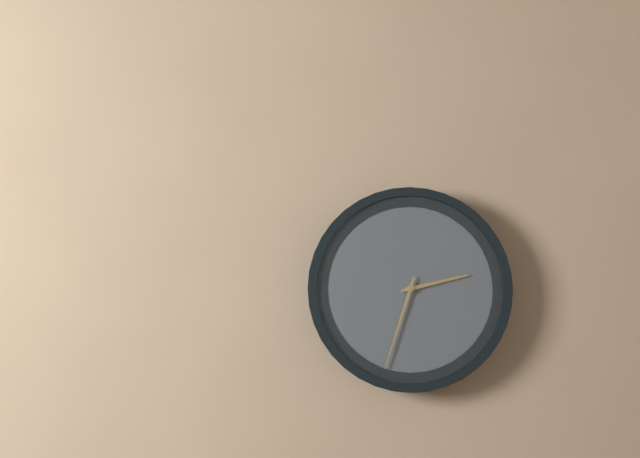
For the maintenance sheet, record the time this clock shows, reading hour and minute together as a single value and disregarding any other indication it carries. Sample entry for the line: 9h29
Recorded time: 2h33
